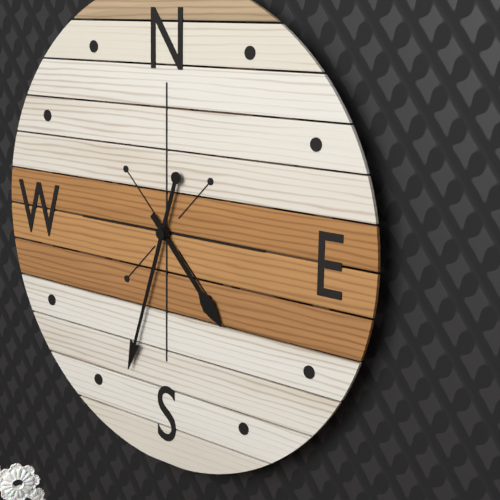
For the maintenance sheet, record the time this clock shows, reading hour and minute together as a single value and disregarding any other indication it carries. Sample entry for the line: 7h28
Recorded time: 4h33
